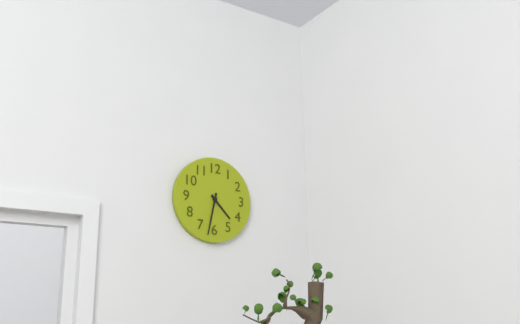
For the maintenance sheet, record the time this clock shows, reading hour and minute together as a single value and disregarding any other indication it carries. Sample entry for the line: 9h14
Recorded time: 4h32
